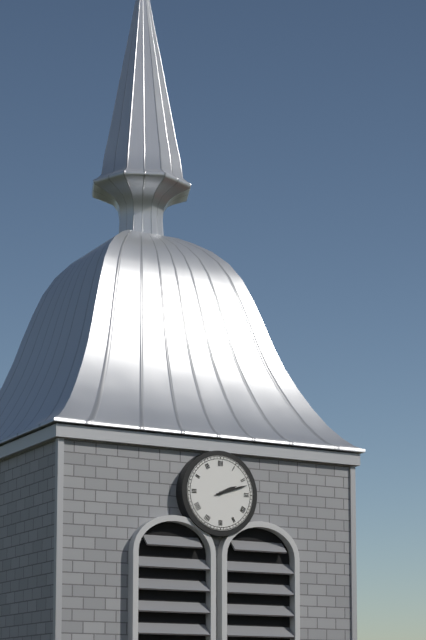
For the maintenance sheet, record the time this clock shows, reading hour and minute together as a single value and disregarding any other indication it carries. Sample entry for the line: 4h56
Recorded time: 2h12
